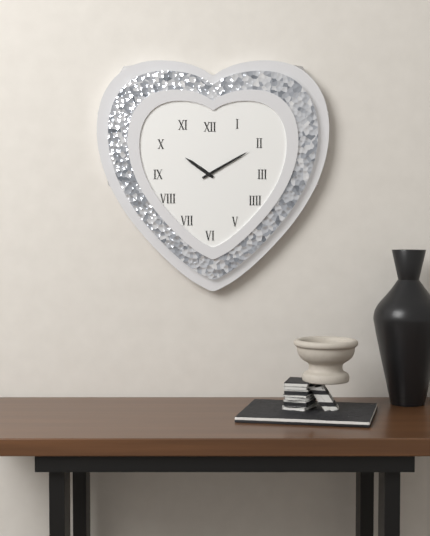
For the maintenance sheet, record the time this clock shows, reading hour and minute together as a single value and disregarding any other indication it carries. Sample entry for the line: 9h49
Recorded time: 10h10
